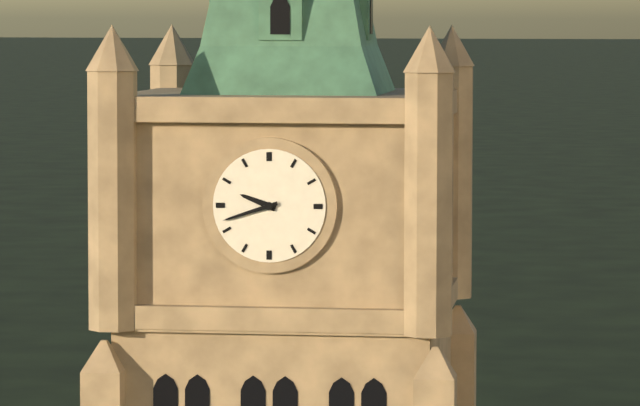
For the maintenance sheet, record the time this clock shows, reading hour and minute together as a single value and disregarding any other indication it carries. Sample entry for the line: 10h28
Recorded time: 9h42
